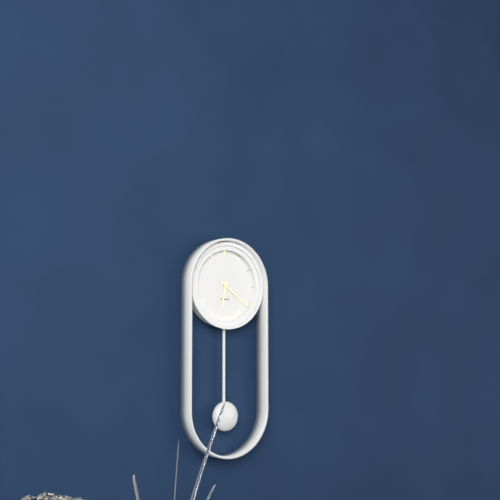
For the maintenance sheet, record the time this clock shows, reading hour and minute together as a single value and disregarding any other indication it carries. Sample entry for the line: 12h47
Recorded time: 6h21
